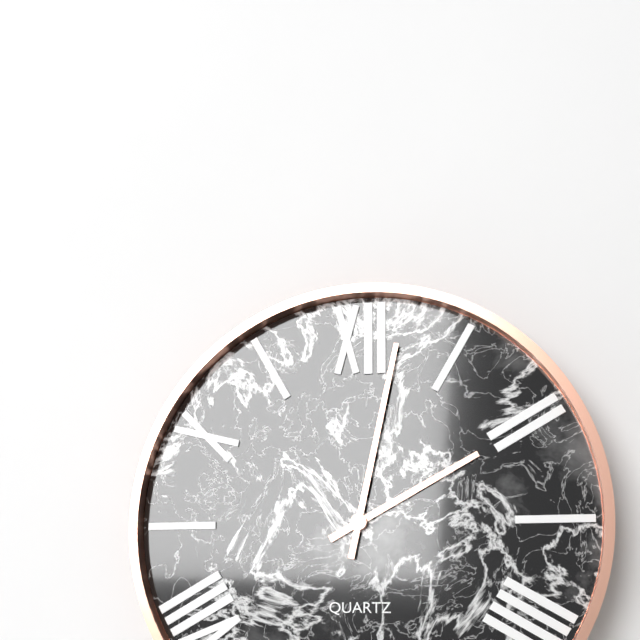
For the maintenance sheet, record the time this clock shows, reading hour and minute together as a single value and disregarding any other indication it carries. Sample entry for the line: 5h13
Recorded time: 2h02
